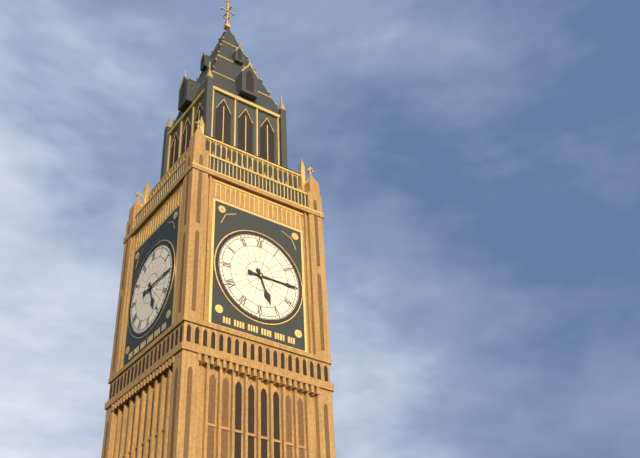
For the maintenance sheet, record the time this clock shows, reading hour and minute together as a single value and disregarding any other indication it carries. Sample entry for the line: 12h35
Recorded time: 5h15
